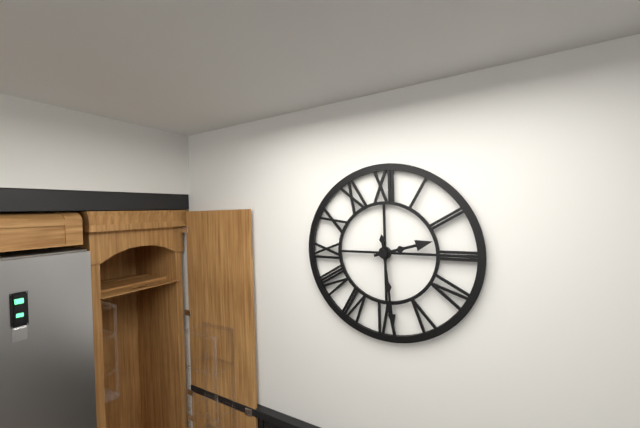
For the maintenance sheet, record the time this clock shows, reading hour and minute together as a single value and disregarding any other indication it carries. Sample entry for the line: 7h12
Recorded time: 2h29
